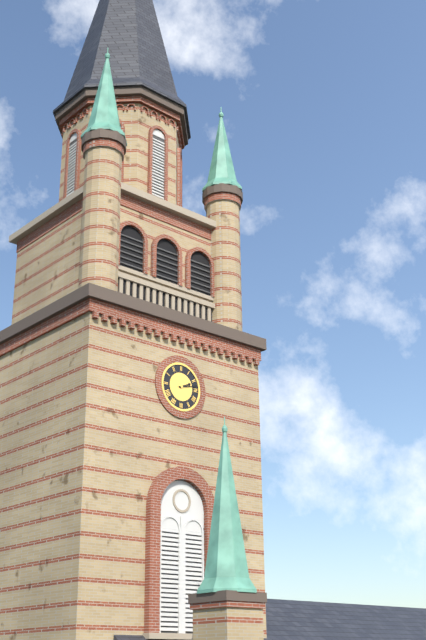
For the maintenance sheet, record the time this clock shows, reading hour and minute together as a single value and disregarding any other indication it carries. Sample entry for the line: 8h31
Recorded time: 2h13
